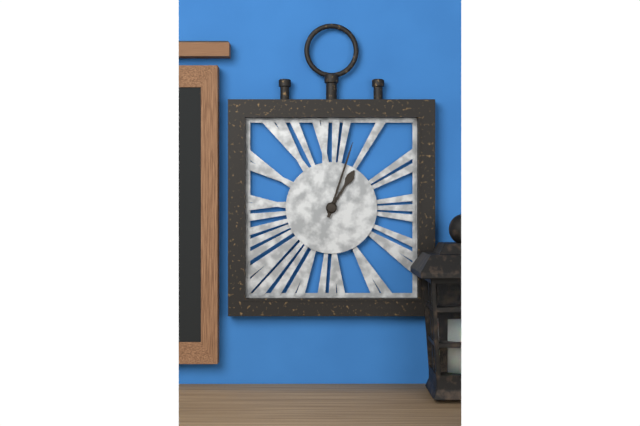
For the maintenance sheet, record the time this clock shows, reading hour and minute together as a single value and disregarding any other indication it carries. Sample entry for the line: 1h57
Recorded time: 1h03
